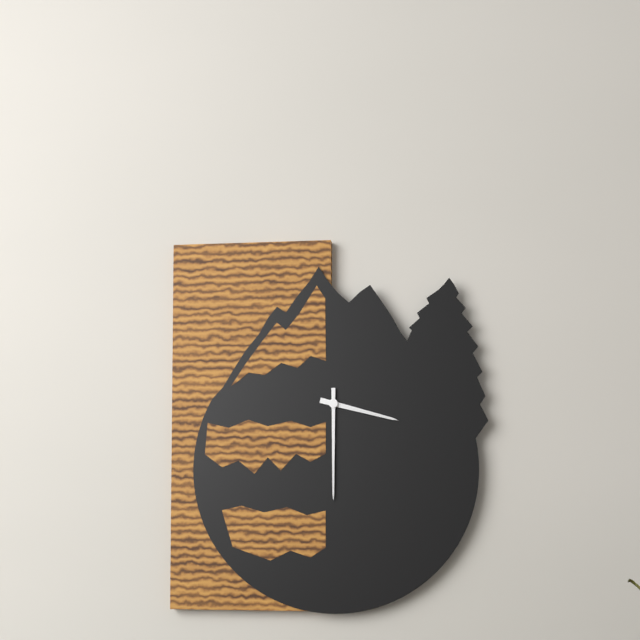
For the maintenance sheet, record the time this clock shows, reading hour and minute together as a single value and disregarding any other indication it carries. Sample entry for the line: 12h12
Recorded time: 3h30
